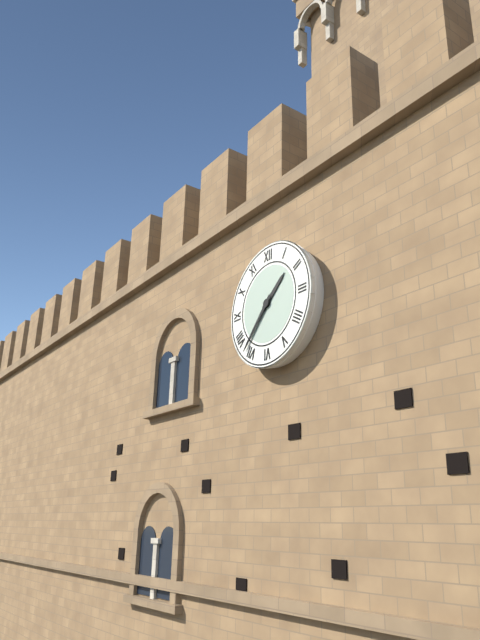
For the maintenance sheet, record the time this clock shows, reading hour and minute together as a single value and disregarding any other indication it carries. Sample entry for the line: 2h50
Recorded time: 1h37
